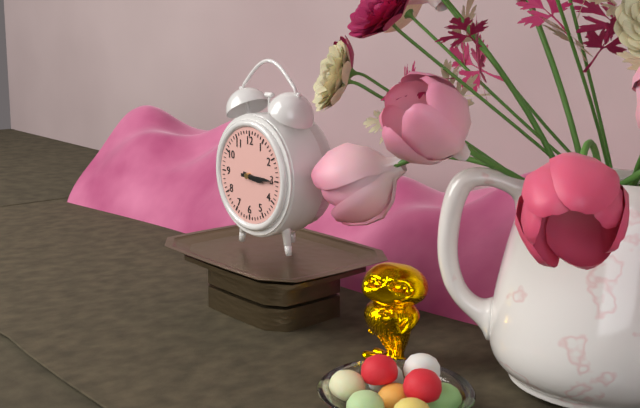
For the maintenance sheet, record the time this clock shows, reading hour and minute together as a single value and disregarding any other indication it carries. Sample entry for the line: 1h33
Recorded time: 3h15
